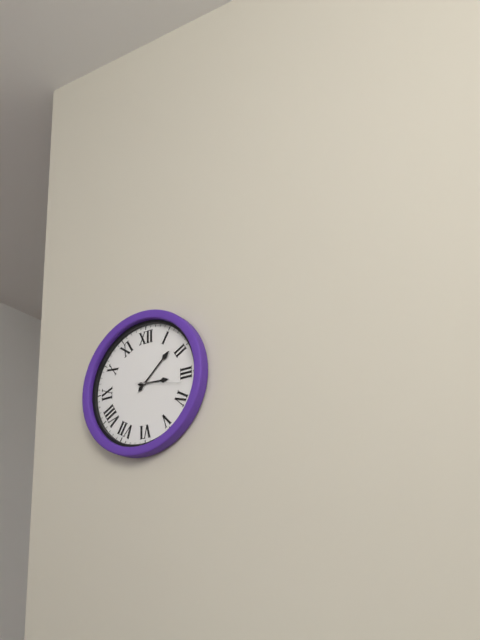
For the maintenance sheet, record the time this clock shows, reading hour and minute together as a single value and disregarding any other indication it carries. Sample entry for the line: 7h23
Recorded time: 3h08
